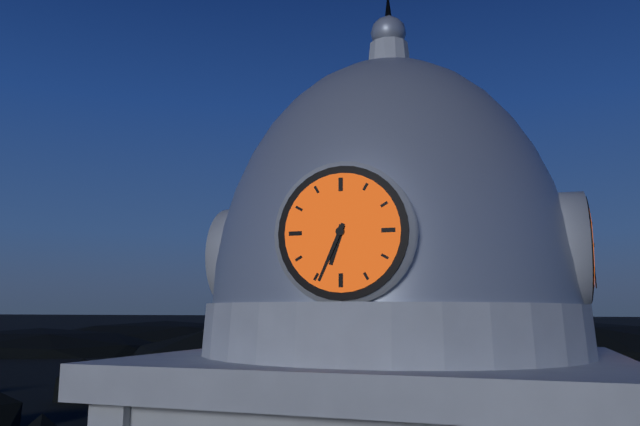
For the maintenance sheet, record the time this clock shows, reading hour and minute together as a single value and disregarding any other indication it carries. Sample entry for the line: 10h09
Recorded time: 6h34
